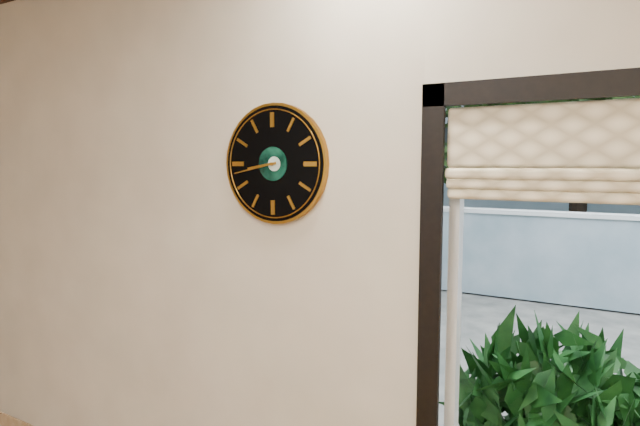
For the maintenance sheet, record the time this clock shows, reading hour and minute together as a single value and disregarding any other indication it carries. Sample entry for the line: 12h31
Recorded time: 8h43
